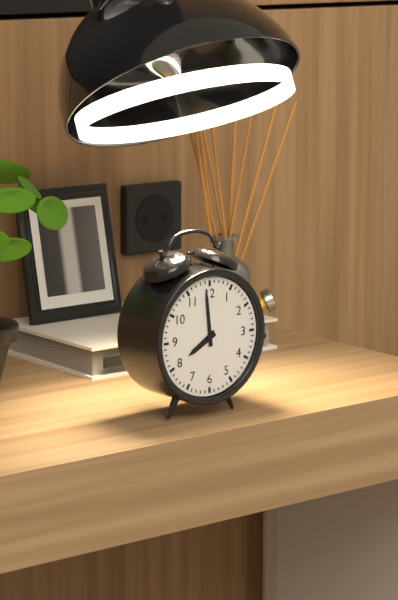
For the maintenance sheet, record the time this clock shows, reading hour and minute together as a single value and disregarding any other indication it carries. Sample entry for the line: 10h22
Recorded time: 7h59
